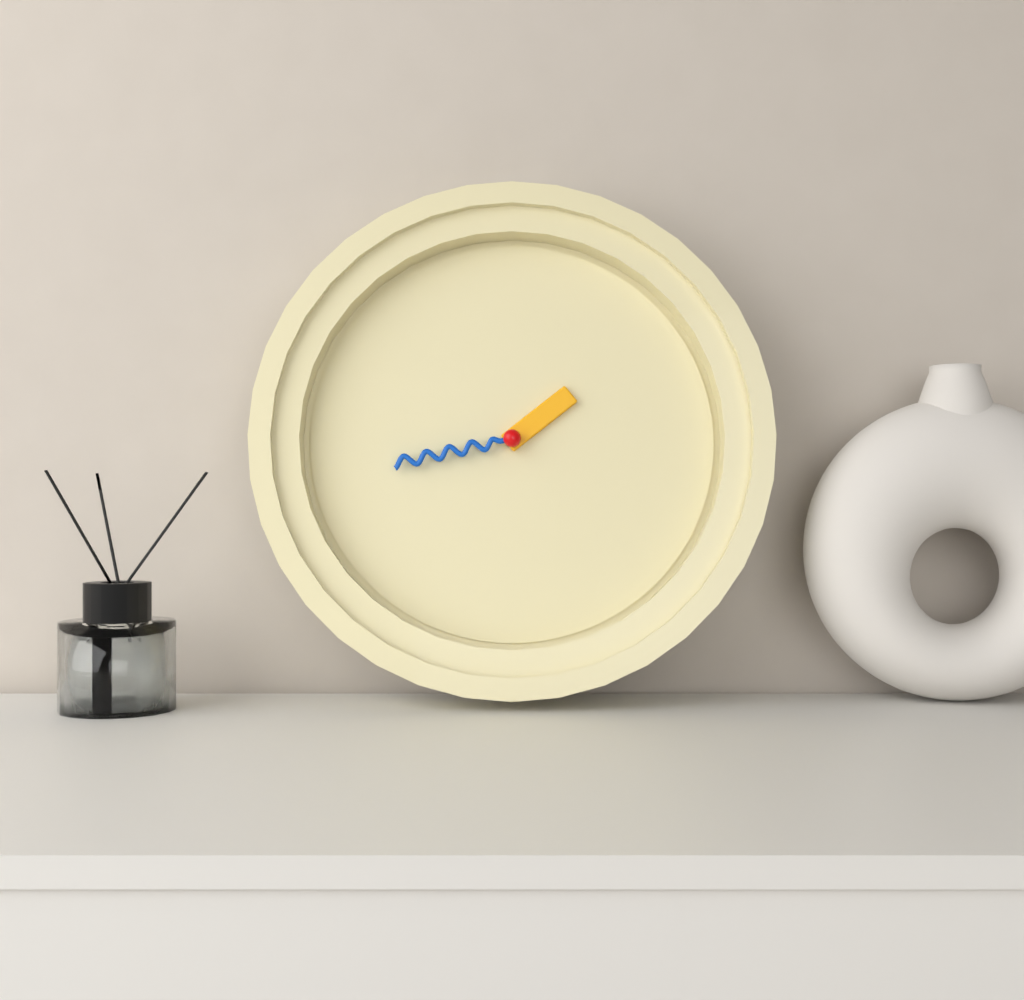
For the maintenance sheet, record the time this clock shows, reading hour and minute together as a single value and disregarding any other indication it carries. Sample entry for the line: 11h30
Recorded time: 1h43
